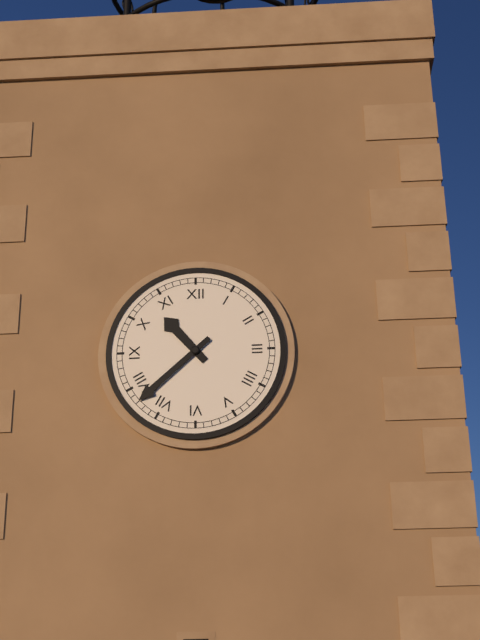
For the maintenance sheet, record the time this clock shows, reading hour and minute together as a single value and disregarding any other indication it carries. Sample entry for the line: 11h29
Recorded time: 10h38
